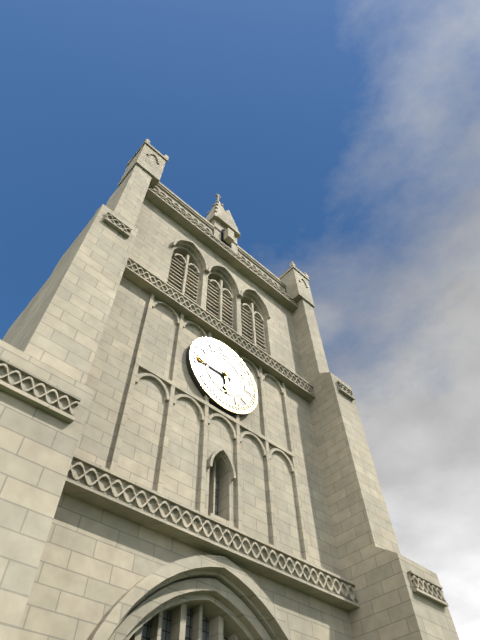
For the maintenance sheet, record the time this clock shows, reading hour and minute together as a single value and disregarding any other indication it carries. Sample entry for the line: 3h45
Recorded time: 5h45
